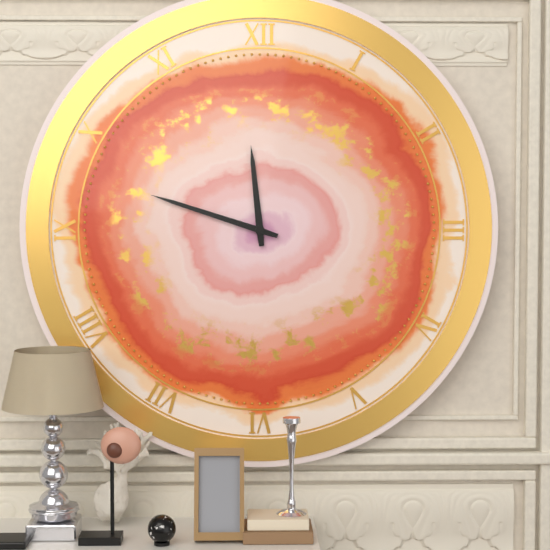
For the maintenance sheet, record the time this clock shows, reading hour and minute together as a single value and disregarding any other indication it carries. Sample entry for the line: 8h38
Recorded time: 11h48
